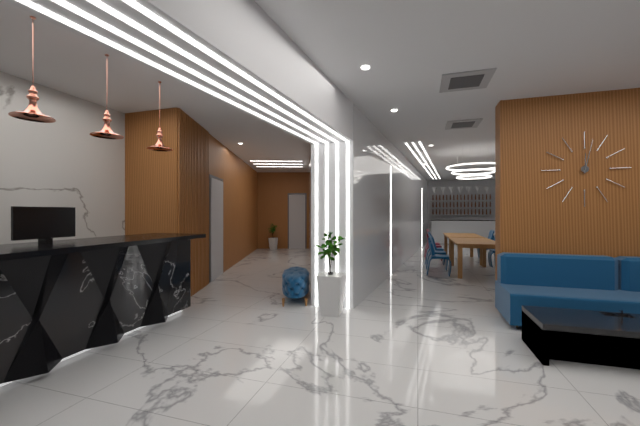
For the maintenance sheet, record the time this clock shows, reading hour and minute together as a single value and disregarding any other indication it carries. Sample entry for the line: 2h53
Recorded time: 12h02
